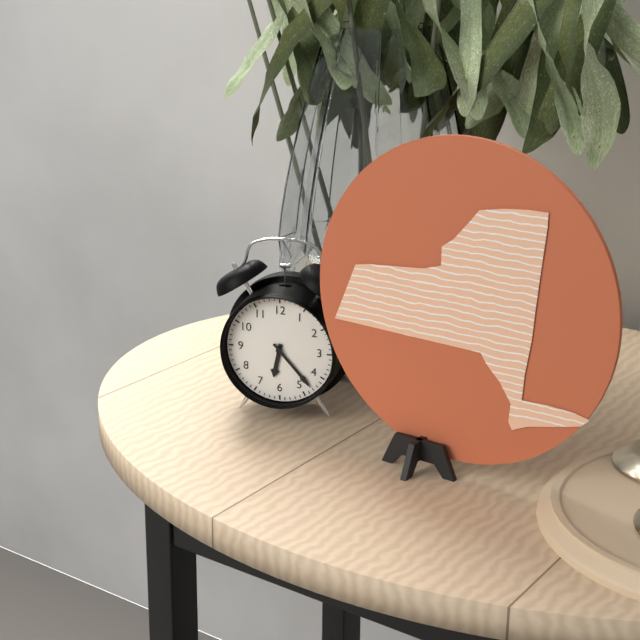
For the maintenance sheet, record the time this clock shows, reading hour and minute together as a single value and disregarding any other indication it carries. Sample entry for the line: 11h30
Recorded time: 6h23
